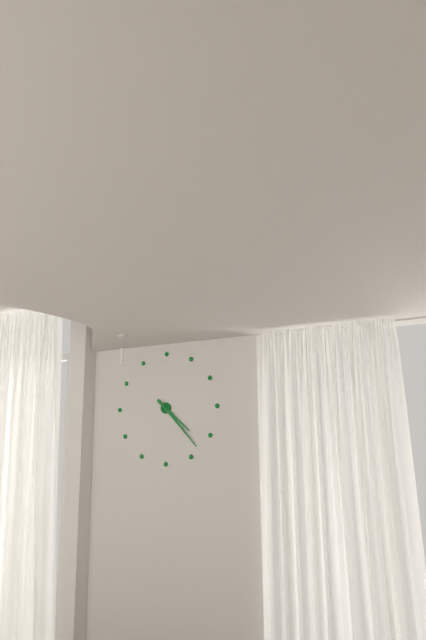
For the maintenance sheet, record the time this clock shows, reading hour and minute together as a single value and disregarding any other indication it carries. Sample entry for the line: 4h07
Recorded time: 4h23
